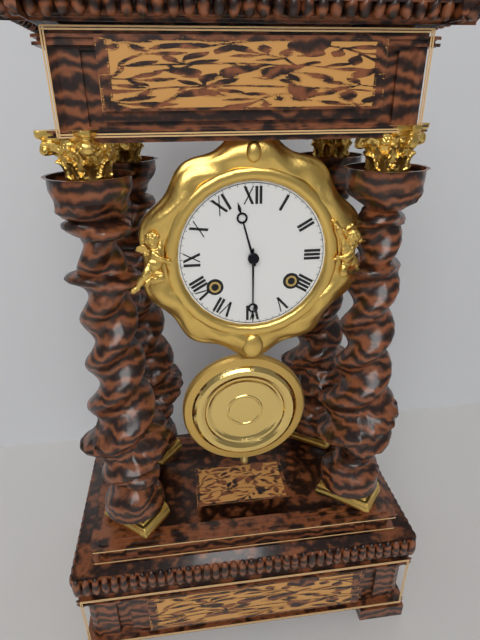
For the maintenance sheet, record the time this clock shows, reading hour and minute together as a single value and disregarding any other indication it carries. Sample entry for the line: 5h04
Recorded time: 11h30
